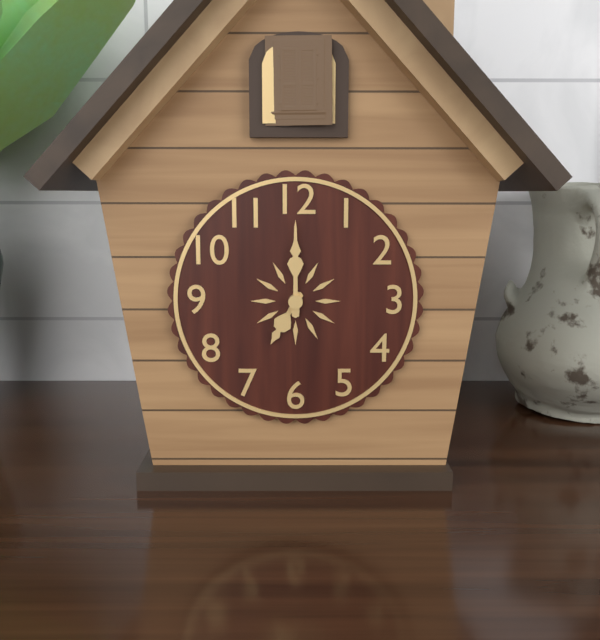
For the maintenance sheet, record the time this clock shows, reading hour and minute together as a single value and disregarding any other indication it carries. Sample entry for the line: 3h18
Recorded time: 7h00
